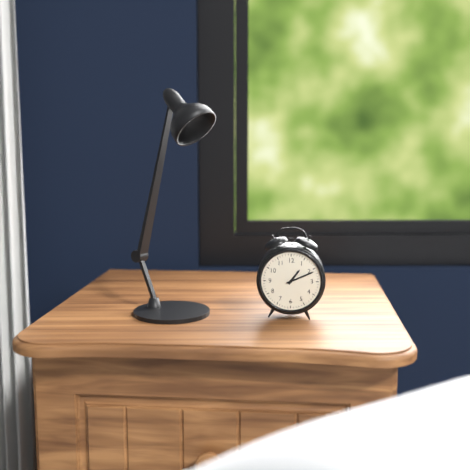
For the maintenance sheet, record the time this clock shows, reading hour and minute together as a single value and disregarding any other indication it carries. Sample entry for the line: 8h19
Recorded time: 1h11
